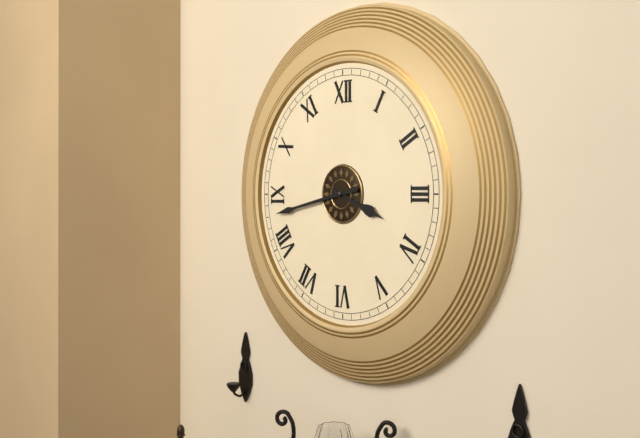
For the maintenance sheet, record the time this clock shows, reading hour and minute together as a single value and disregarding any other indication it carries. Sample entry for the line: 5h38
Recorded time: 3h43
